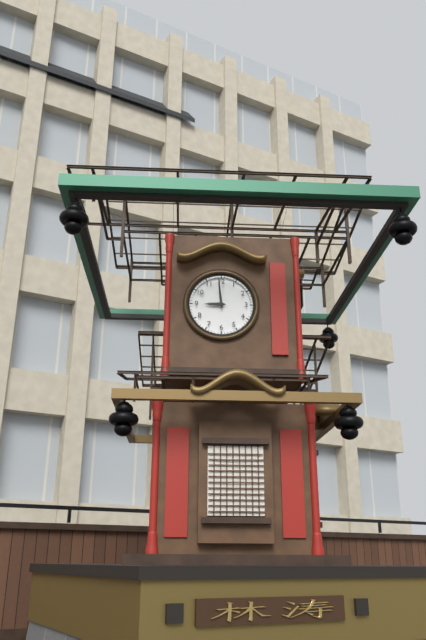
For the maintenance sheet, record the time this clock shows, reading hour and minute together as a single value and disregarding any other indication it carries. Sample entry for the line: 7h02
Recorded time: 8h59
